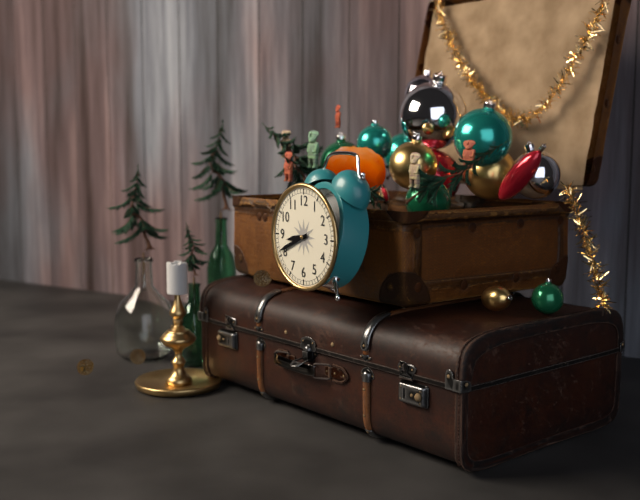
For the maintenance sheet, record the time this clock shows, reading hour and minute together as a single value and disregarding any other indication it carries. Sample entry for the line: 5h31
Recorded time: 8h41
